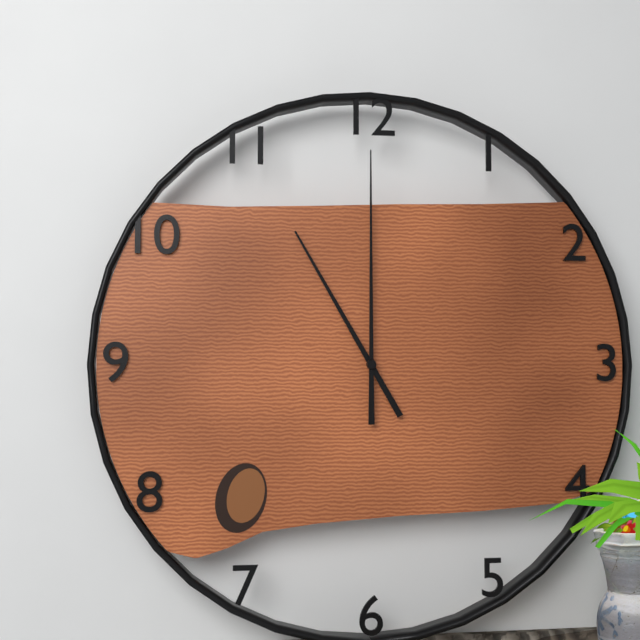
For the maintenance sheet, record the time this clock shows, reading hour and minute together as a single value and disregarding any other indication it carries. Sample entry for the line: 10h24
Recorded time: 11h00
